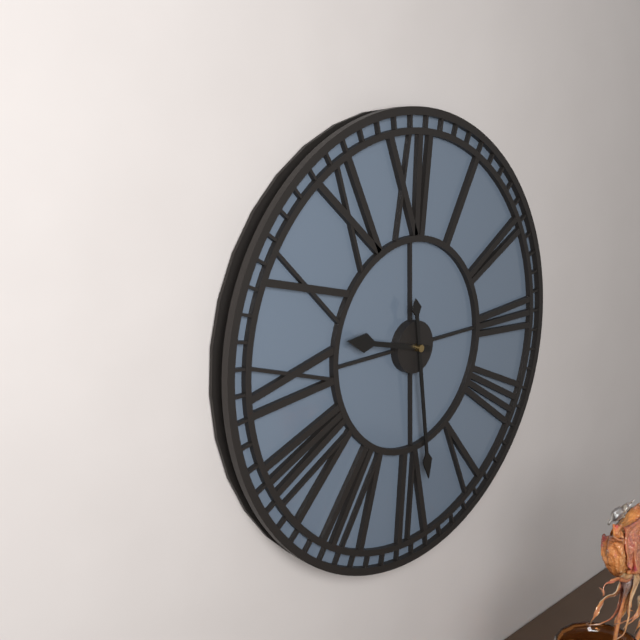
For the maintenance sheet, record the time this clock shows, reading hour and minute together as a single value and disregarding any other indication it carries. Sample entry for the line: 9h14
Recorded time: 9h29
